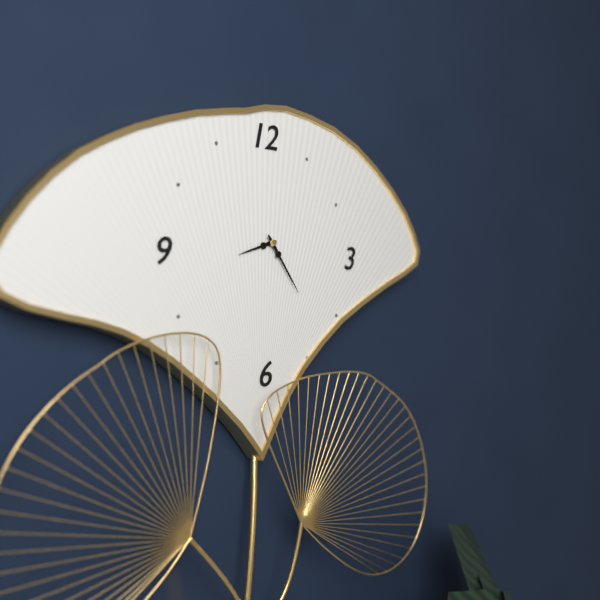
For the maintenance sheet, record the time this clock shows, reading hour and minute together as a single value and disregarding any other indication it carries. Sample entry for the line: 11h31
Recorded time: 8h24
